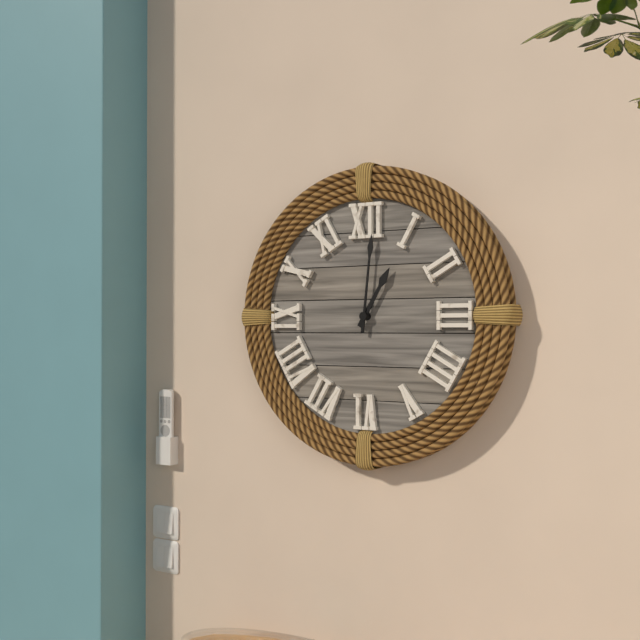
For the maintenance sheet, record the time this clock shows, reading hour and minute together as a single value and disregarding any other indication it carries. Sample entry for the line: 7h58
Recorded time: 1h01
